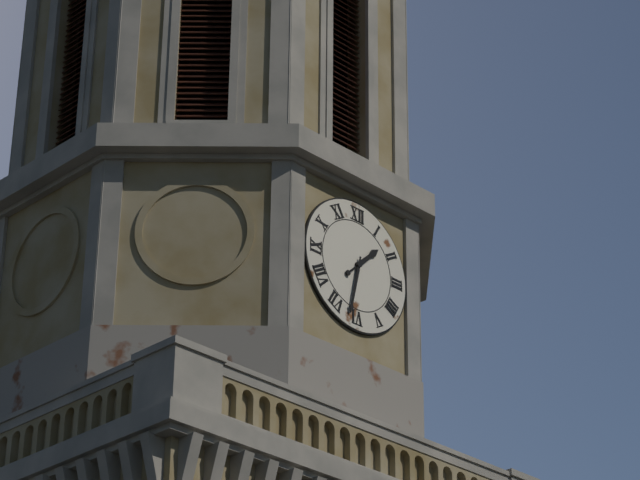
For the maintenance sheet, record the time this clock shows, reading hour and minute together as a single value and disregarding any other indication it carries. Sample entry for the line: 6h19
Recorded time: 1h32
